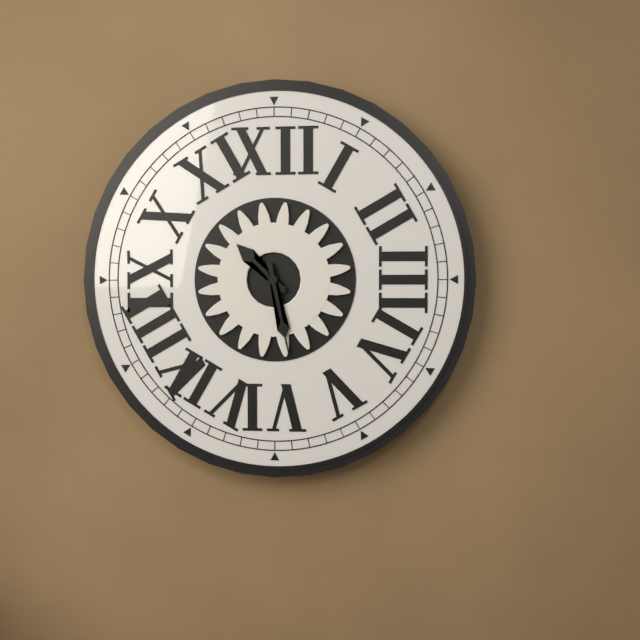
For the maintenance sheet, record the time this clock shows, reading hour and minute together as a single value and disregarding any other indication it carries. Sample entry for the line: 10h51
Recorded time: 10h28
